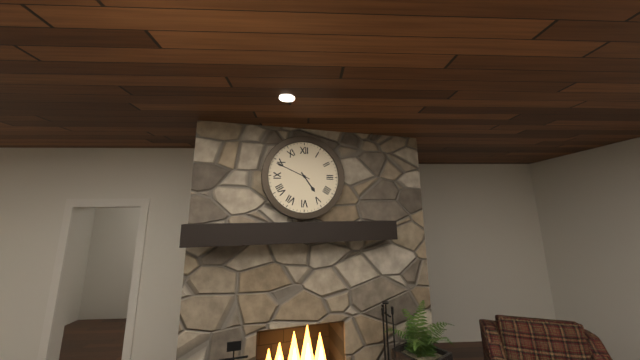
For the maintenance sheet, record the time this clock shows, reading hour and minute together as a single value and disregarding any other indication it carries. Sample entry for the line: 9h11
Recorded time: 4h49
